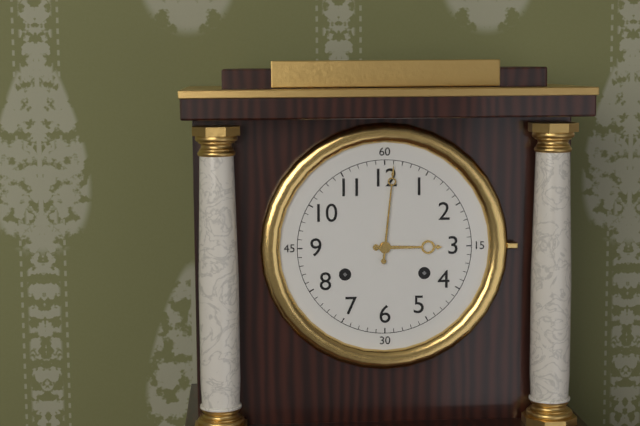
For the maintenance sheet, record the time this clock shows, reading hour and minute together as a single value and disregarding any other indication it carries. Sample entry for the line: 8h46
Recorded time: 3h01
